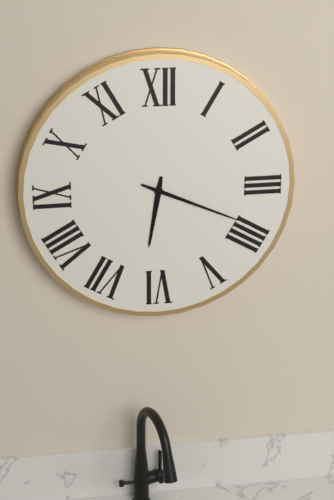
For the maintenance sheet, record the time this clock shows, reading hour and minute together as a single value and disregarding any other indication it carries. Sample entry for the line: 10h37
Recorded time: 6h19
